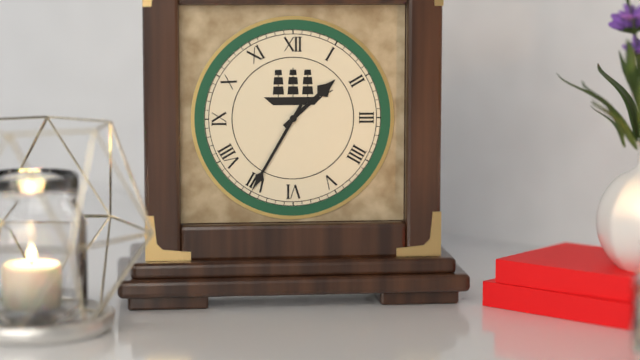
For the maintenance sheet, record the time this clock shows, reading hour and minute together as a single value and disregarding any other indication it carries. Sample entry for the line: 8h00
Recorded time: 1h35
